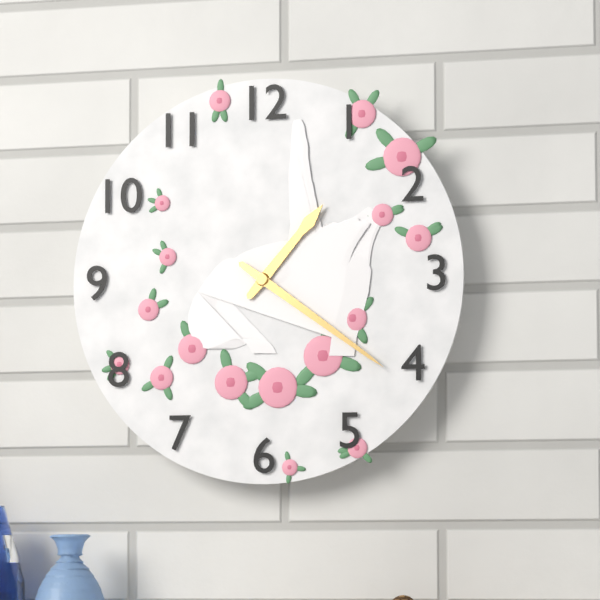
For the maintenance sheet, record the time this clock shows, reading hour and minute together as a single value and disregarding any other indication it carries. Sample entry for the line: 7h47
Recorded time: 1h21
